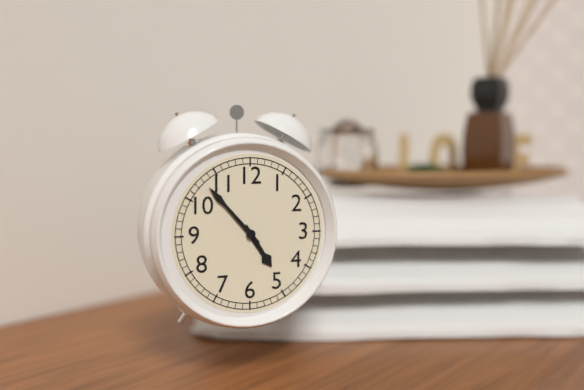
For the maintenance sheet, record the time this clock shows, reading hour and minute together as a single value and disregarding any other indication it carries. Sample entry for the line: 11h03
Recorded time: 4h53
